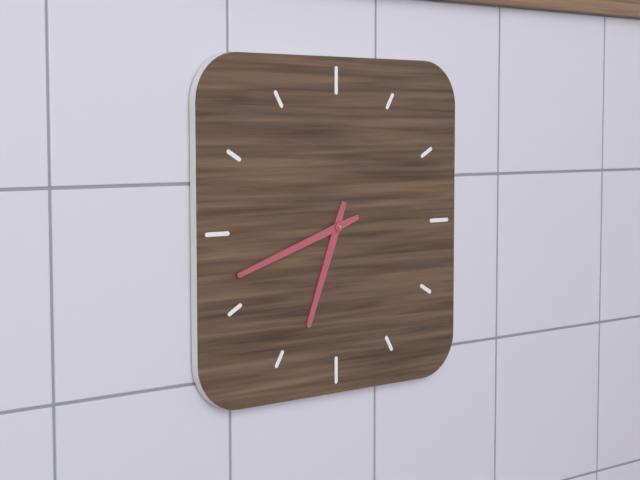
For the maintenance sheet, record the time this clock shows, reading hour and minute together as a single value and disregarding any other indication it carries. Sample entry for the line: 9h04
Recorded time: 6h42
